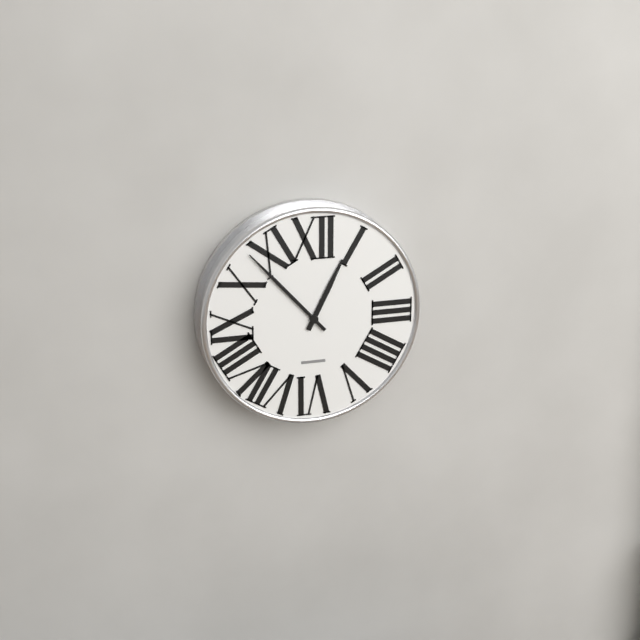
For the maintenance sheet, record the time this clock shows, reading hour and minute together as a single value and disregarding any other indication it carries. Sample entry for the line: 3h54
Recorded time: 12h53
